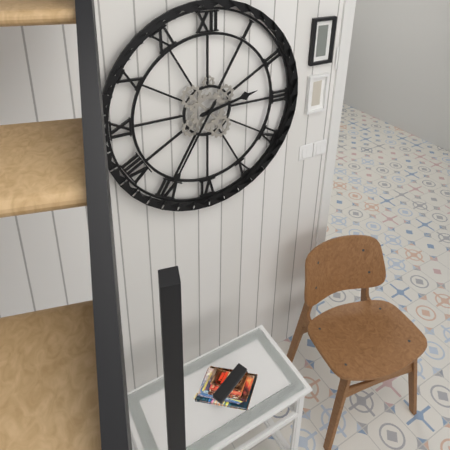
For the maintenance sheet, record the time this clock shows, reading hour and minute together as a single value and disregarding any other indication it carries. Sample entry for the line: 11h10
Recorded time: 2h35
